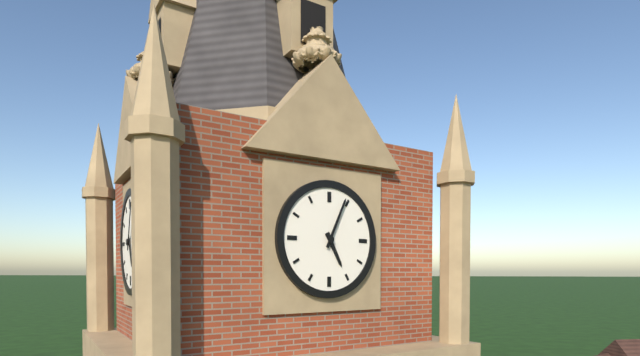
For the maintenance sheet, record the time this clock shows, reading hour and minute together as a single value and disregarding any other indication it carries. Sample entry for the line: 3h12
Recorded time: 5h04
